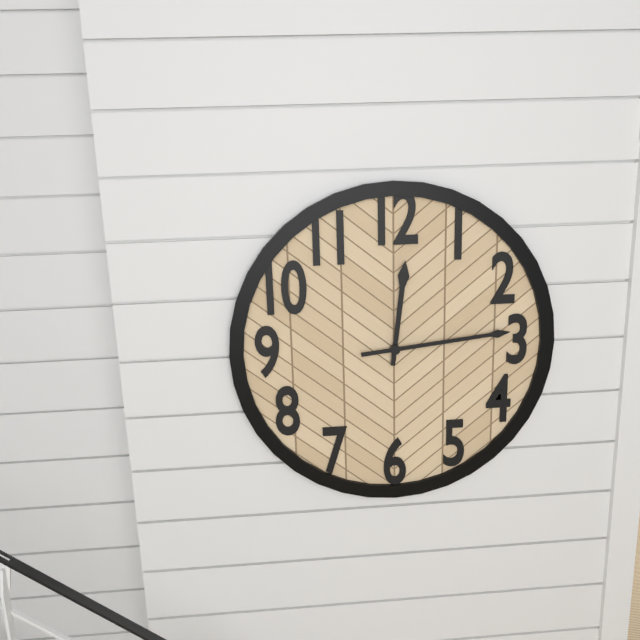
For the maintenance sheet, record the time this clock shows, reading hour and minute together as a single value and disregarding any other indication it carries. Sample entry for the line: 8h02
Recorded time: 12h14
